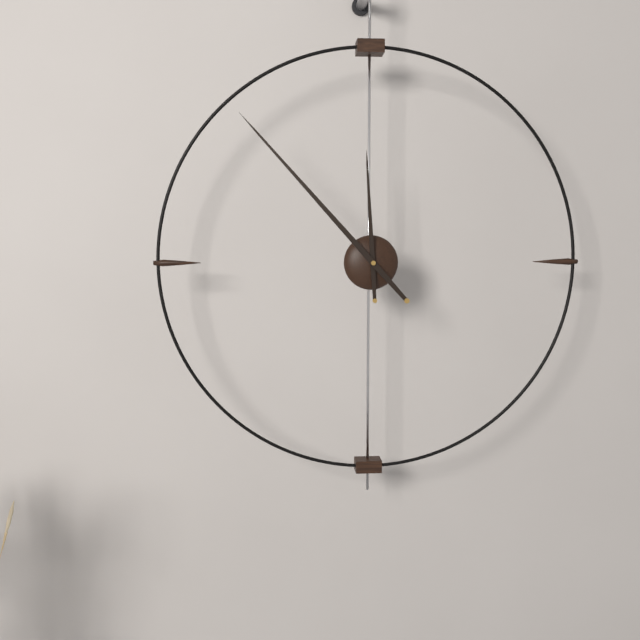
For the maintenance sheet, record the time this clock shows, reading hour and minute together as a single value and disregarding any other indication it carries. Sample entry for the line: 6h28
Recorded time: 11h53
